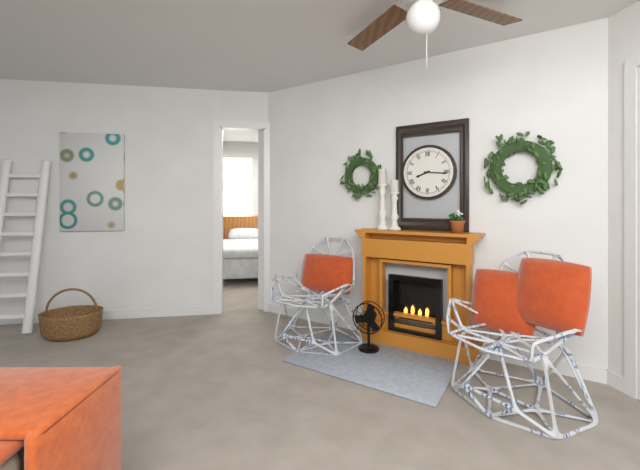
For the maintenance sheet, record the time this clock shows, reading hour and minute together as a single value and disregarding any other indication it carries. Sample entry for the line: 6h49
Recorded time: 8h16
